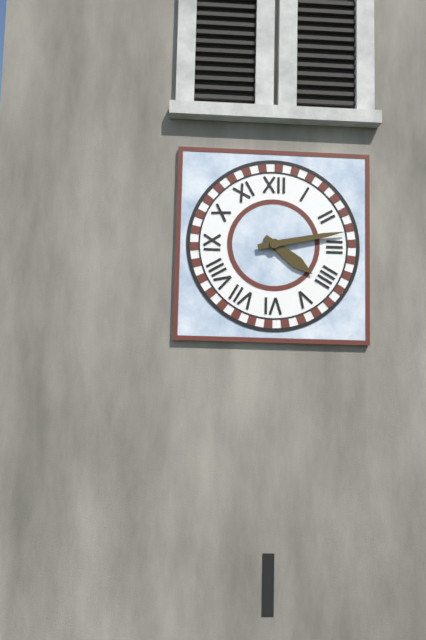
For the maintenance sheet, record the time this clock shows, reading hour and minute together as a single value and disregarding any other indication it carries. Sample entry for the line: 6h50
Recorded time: 4h13
